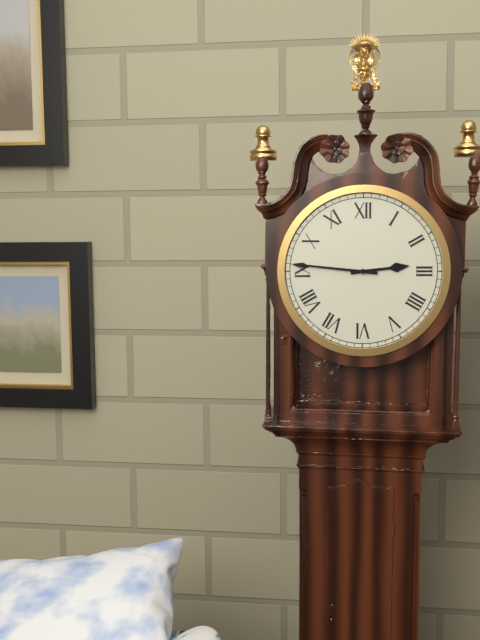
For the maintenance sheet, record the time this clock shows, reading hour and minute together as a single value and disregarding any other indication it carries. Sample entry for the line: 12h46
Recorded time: 2h46
